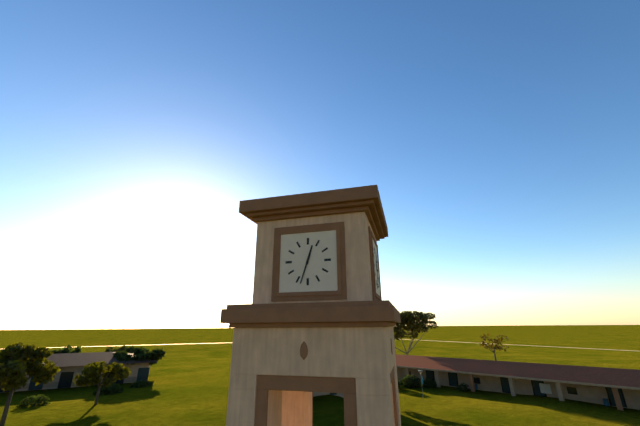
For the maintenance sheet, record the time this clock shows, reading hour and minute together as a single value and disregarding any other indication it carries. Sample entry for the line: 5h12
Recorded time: 12h33
